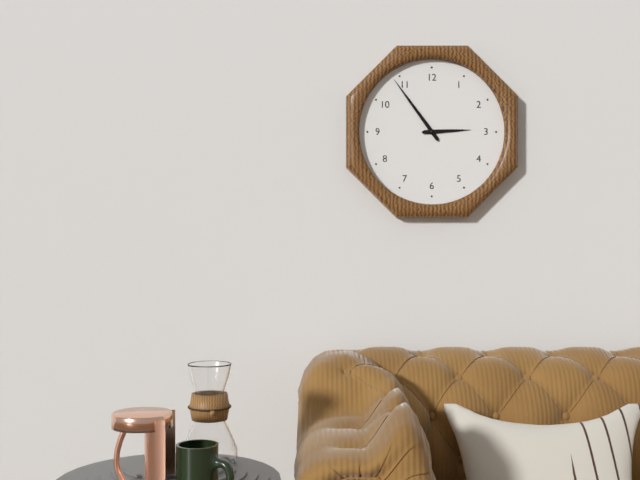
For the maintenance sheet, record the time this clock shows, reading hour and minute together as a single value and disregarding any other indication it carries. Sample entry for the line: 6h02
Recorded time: 2h54
